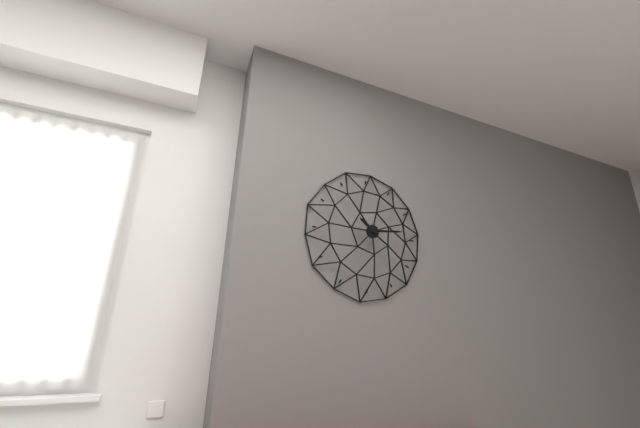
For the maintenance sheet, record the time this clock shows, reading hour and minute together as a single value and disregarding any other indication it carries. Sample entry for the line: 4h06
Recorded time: 10h14
